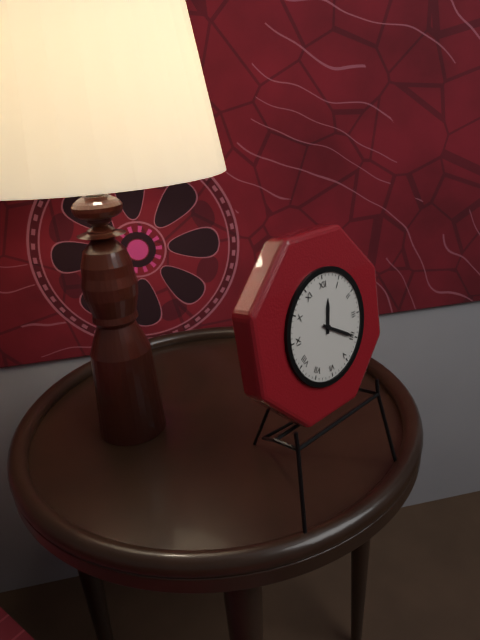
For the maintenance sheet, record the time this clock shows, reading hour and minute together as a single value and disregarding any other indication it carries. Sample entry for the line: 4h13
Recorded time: 12h20
